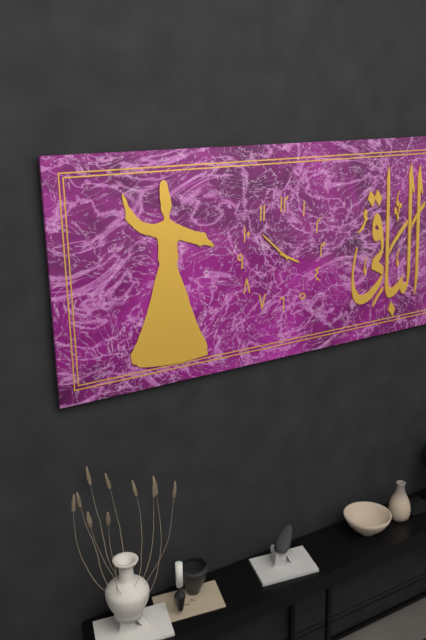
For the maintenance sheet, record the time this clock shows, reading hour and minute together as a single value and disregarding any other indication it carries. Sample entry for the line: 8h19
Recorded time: 3h52
